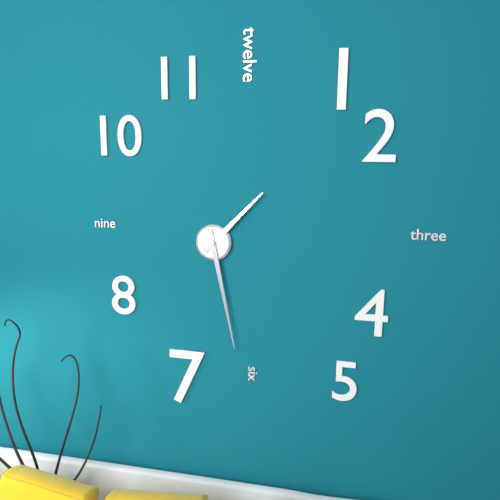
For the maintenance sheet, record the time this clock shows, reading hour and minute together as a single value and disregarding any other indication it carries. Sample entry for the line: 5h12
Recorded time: 1h28
